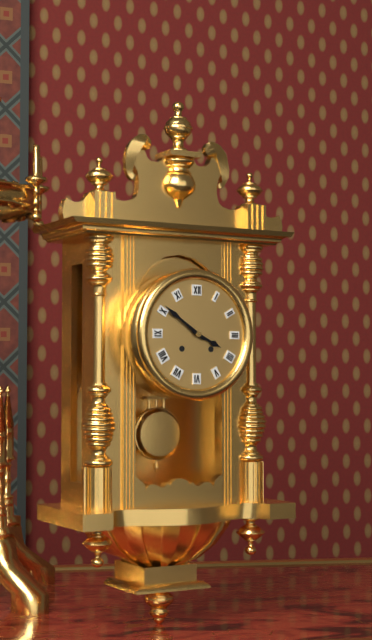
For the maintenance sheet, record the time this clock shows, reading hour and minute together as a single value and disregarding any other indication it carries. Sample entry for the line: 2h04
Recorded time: 3h51
